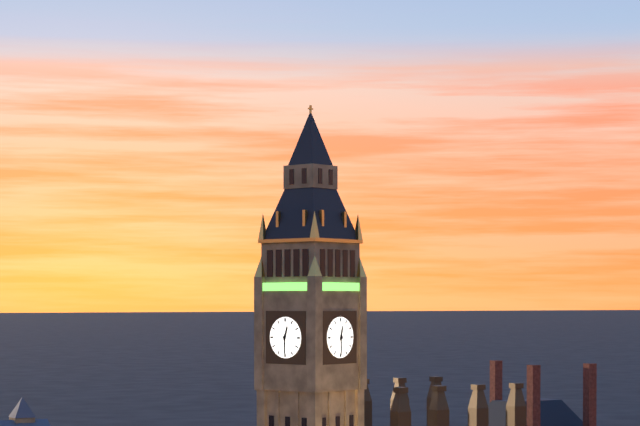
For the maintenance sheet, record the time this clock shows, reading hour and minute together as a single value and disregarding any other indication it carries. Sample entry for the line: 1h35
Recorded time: 12h30
